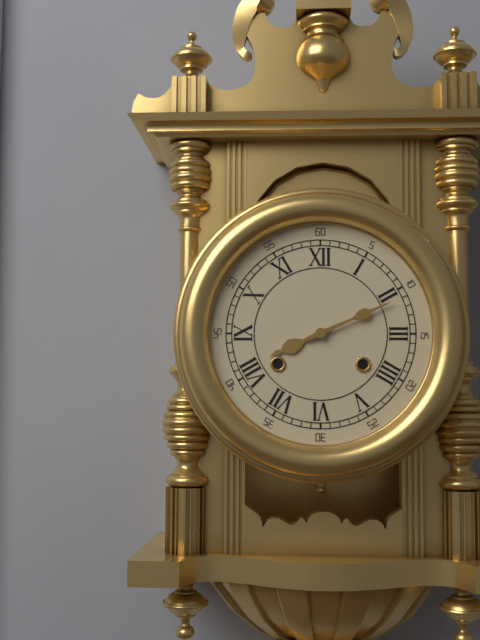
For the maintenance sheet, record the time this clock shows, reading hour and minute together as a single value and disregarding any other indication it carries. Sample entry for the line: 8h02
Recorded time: 8h11
